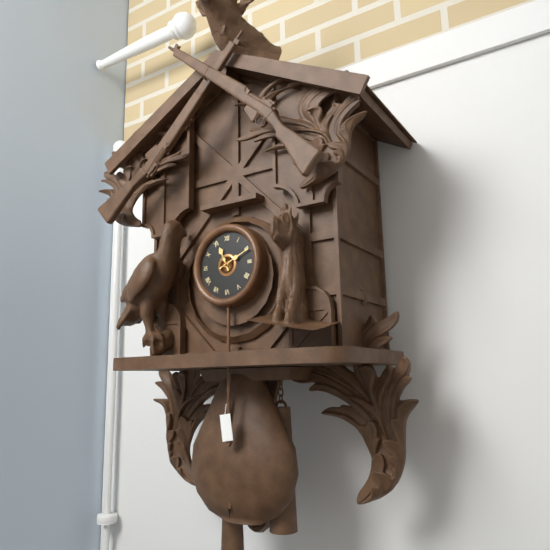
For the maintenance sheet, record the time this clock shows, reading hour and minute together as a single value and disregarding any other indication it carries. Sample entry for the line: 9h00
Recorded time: 11h11
